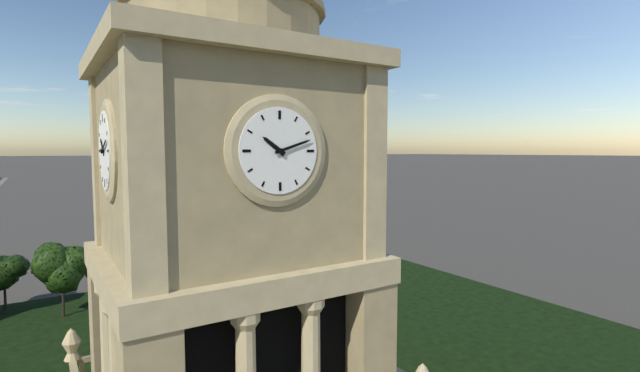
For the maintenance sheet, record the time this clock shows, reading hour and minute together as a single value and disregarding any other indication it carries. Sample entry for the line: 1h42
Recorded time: 10h12
